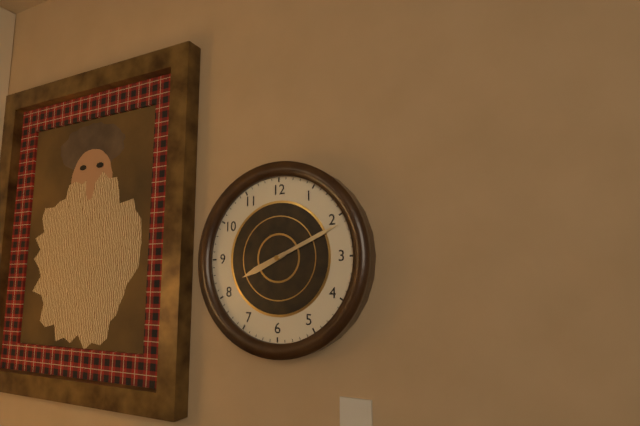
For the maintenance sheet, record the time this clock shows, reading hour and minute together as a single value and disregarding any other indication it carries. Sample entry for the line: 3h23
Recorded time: 8h11
